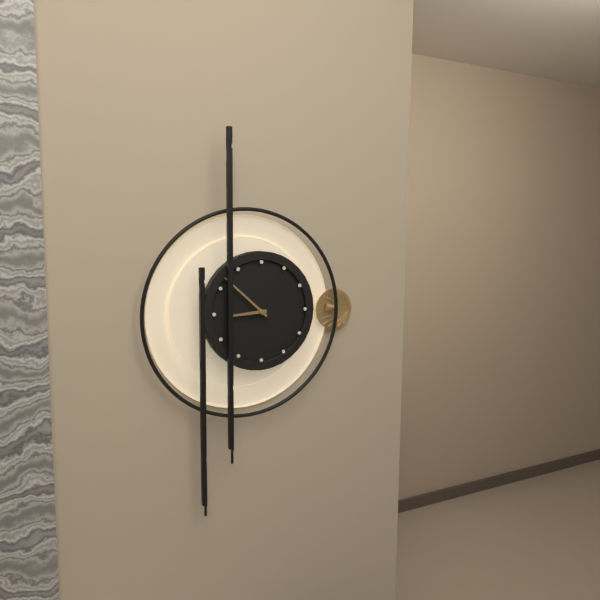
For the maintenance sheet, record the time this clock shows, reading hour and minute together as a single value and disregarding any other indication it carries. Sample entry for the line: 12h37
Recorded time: 8h52
